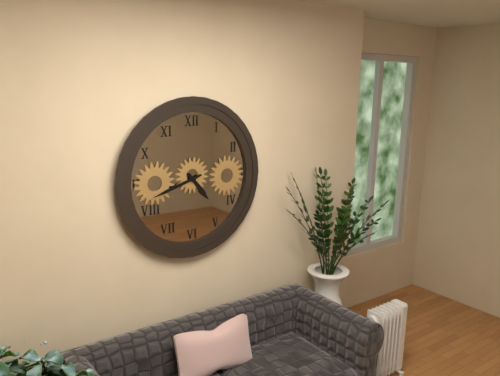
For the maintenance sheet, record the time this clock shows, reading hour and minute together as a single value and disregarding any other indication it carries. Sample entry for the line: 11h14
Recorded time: 4h42
